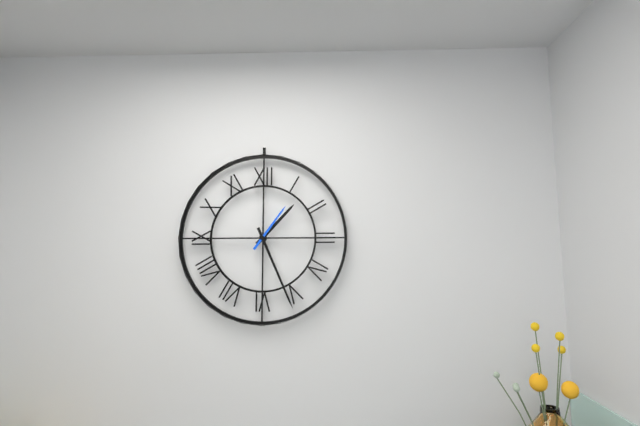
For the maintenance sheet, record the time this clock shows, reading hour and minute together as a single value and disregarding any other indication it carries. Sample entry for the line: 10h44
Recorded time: 1h26
